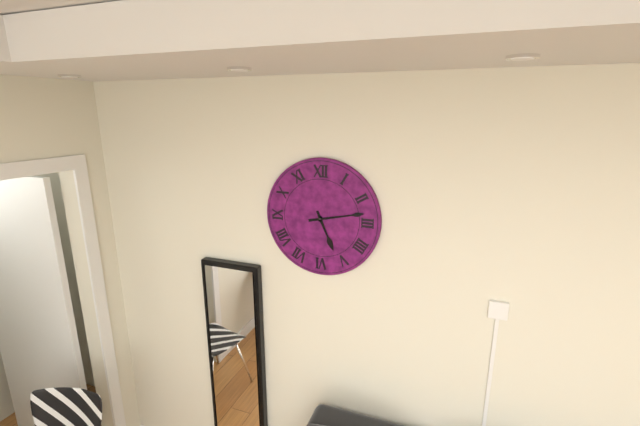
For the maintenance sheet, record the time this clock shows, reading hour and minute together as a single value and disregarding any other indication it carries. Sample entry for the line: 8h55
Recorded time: 5h13
